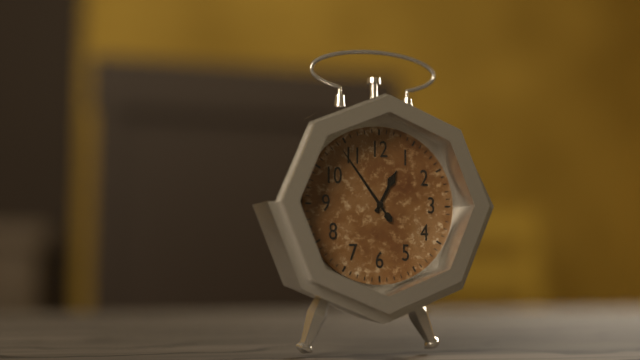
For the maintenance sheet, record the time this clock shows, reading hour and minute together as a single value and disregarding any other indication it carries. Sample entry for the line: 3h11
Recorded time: 12h54
